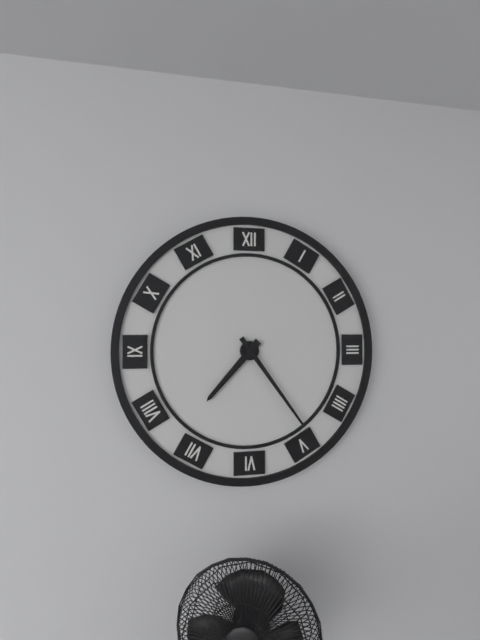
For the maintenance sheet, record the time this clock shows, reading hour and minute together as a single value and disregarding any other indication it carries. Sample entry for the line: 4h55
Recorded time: 7h24
